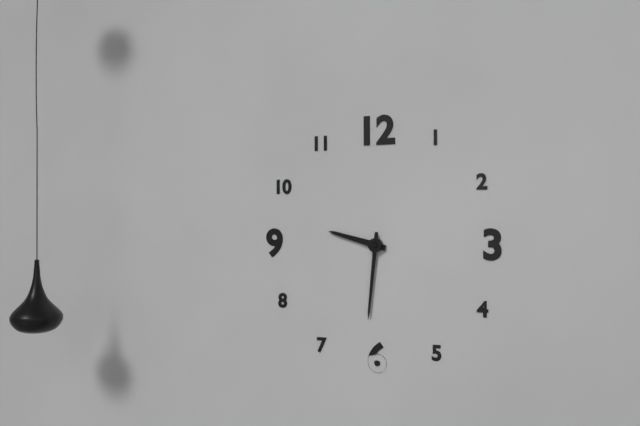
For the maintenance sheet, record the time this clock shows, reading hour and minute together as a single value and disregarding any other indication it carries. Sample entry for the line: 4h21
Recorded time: 9h31
